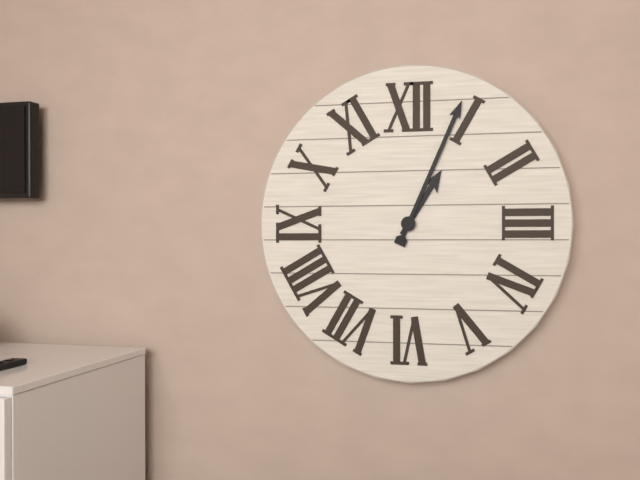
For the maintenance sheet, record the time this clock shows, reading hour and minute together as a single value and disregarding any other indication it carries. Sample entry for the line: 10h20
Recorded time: 1h04
